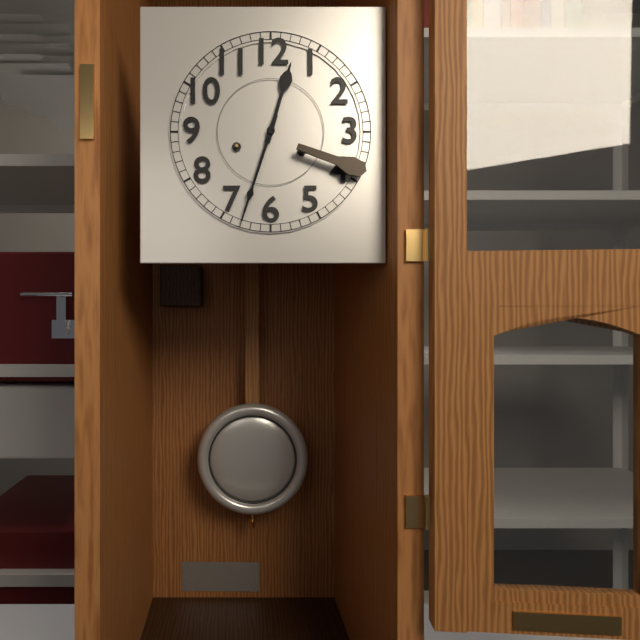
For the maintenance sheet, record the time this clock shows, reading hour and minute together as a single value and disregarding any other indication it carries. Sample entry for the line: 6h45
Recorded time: 12h33
